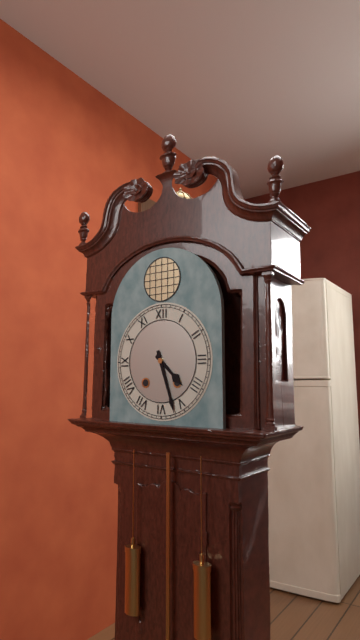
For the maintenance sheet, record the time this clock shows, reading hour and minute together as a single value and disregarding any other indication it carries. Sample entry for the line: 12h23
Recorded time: 4h27
